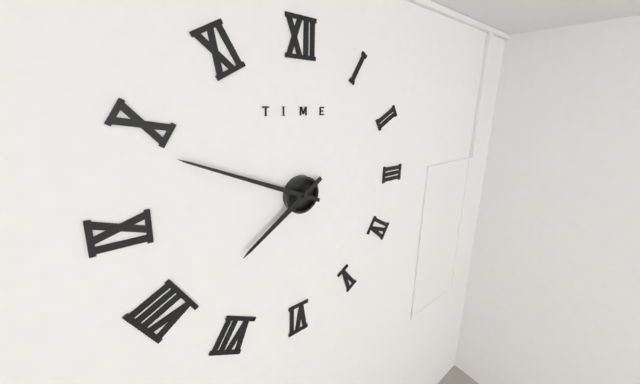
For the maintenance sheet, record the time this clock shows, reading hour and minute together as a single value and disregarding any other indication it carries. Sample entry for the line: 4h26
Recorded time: 7h49
